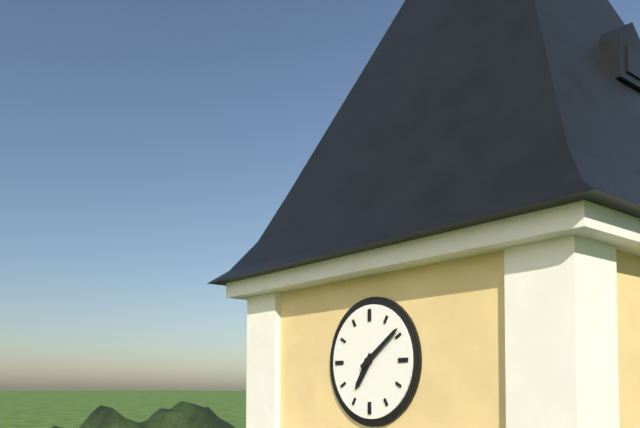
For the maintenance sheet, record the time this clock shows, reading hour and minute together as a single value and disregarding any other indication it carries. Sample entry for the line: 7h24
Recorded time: 7h09
